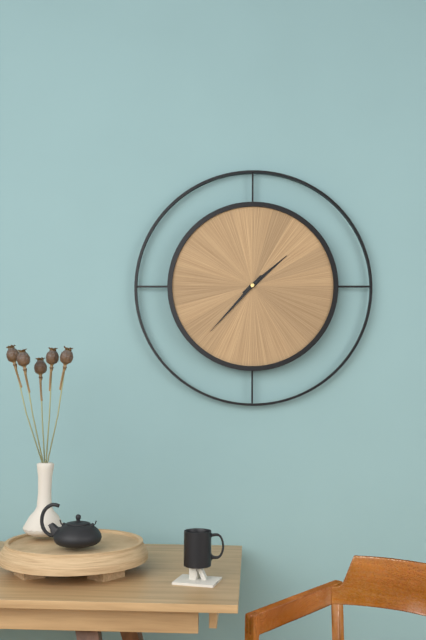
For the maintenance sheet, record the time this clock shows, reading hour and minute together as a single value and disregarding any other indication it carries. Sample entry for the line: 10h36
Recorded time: 1h37
